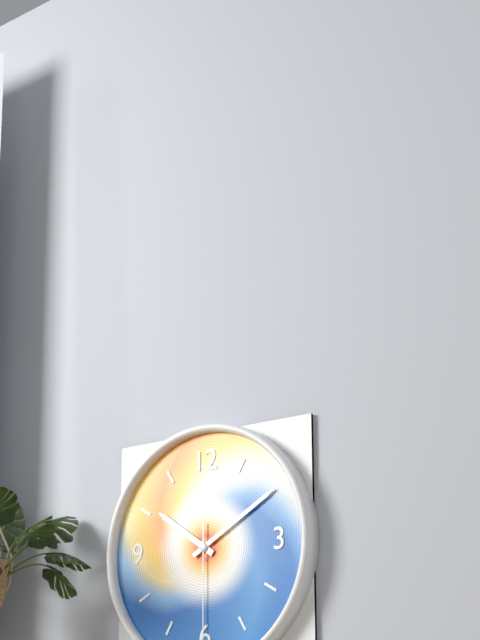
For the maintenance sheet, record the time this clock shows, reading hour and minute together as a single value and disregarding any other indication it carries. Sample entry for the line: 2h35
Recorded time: 10h10
